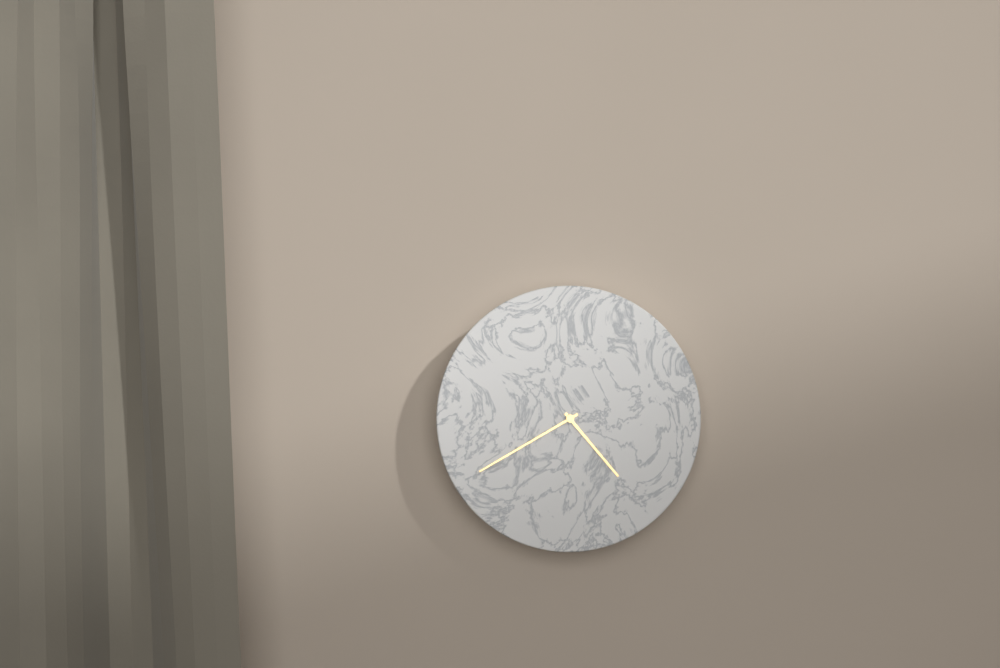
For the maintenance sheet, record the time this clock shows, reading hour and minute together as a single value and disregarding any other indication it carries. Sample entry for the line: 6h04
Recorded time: 4h40
